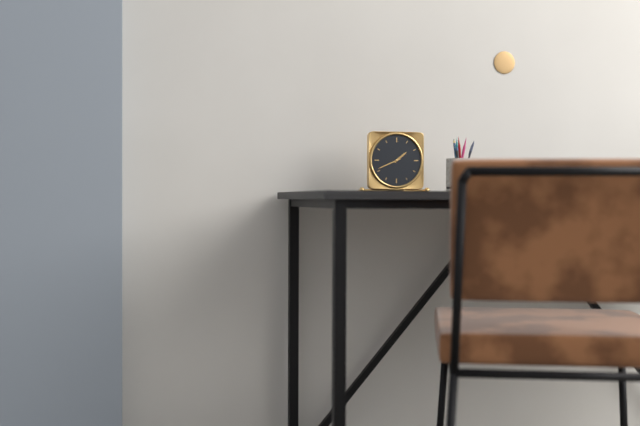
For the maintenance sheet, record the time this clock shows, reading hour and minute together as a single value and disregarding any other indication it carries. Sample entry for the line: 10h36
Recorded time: 1h41
